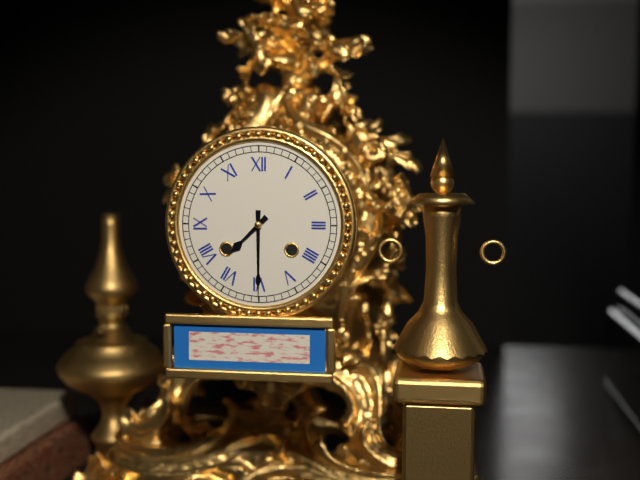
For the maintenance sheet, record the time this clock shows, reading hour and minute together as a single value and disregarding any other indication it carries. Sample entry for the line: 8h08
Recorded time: 7h30
